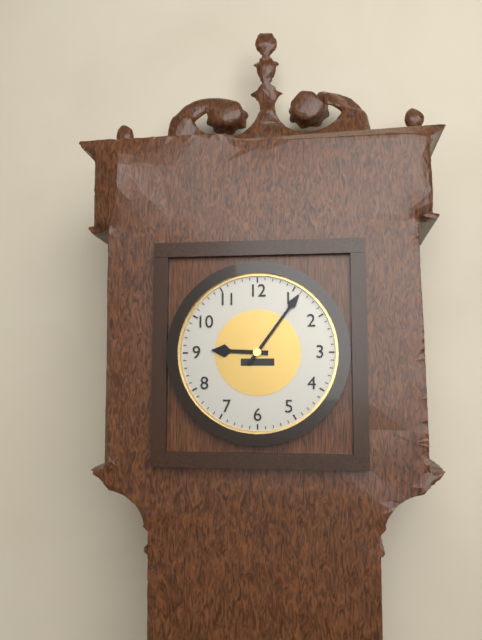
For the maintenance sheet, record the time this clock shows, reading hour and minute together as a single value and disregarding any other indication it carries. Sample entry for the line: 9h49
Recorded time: 9h06
